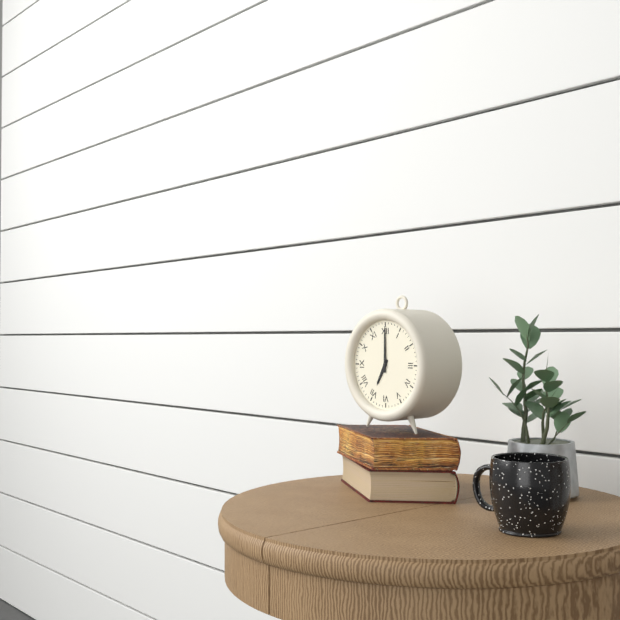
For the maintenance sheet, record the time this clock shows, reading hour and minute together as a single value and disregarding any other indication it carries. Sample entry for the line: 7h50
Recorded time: 7h00
